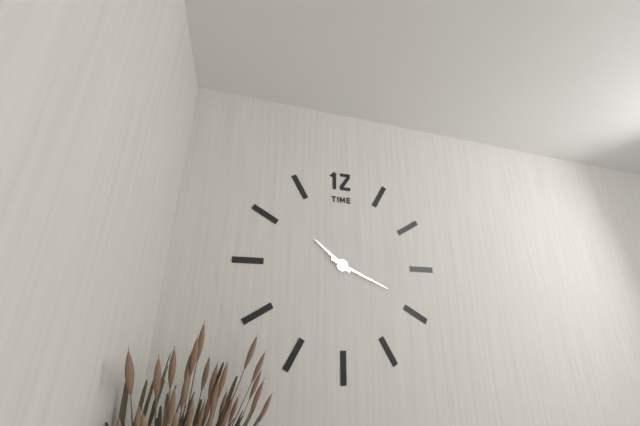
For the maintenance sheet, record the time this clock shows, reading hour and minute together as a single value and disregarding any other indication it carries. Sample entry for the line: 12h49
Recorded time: 10h19
